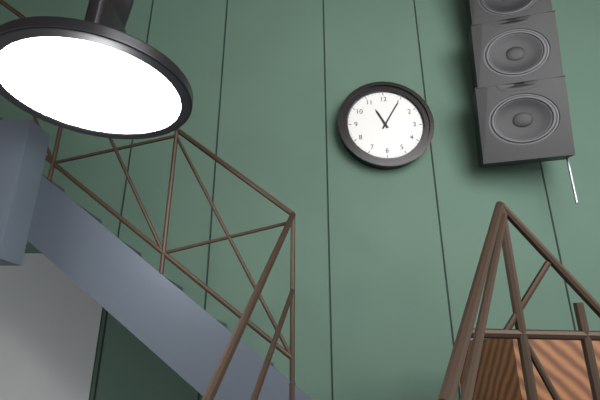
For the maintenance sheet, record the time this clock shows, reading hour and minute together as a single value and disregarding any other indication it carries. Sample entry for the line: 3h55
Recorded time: 11h05
